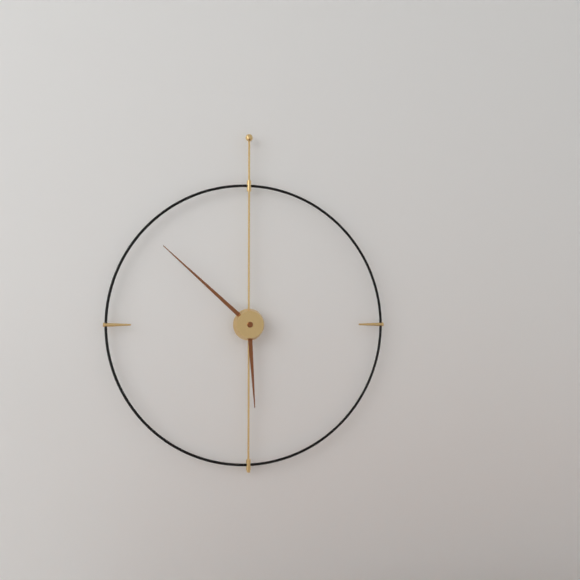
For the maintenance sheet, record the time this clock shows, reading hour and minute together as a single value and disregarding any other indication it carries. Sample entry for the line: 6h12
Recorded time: 5h52
